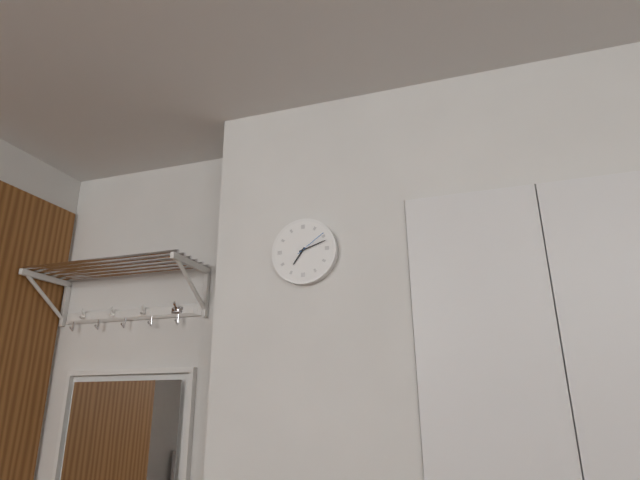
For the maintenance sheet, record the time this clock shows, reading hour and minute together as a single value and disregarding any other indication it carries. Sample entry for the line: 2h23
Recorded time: 7h12
